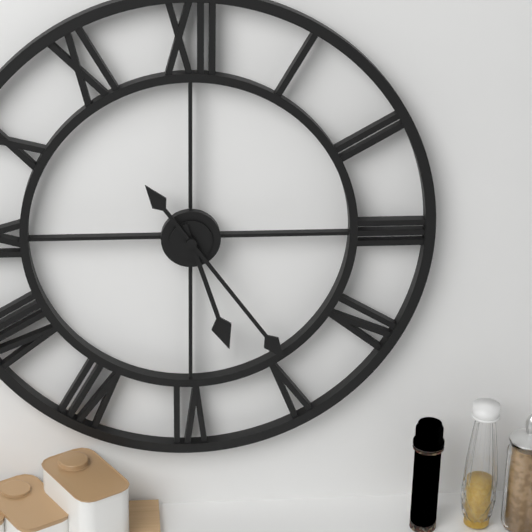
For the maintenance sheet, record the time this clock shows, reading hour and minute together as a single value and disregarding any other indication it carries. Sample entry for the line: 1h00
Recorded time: 5h24
